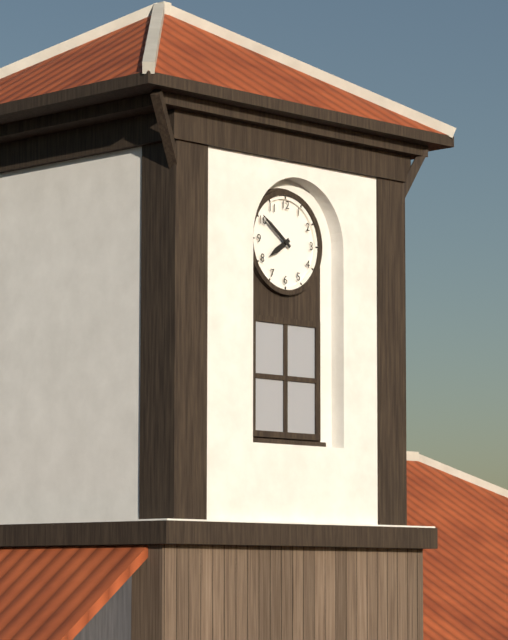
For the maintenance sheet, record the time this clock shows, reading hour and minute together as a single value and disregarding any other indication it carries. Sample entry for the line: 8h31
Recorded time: 7h51
